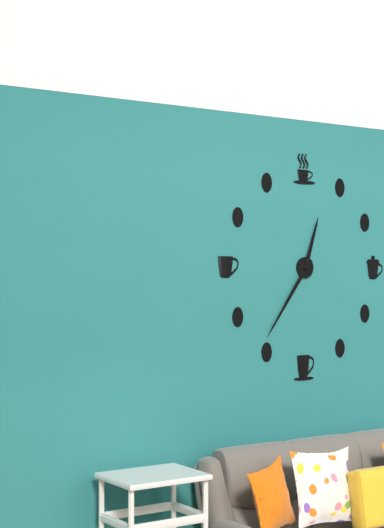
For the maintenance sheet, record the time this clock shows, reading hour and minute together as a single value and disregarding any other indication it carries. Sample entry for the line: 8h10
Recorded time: 12h36
